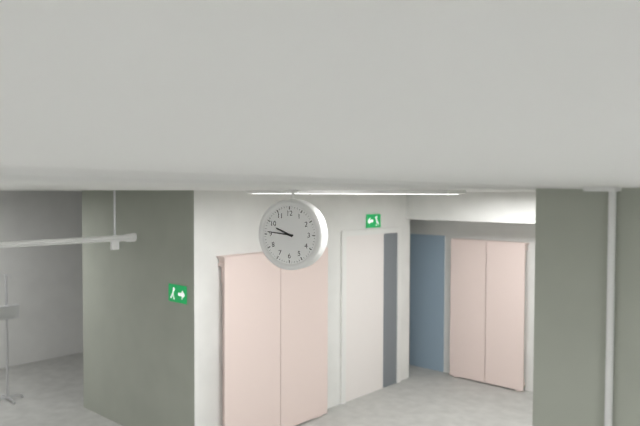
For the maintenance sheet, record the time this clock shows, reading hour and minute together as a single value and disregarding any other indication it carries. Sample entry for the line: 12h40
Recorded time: 9h46
